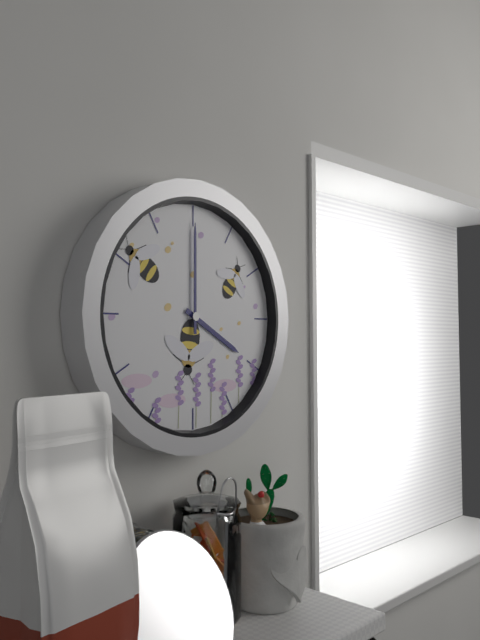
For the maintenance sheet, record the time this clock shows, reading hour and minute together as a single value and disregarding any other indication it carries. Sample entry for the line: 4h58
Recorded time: 4h00
